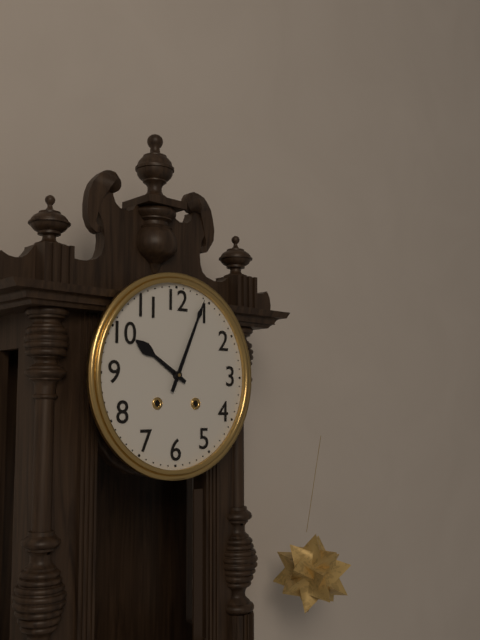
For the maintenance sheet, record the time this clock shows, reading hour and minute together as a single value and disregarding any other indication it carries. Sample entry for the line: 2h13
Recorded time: 10h04
